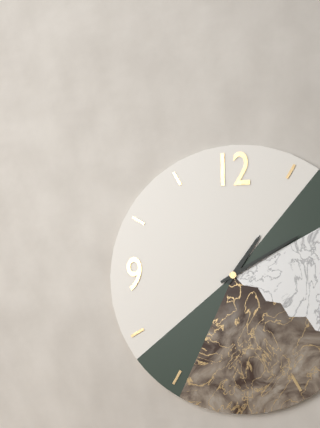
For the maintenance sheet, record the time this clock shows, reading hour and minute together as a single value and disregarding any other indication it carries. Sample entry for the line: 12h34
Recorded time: 1h10
